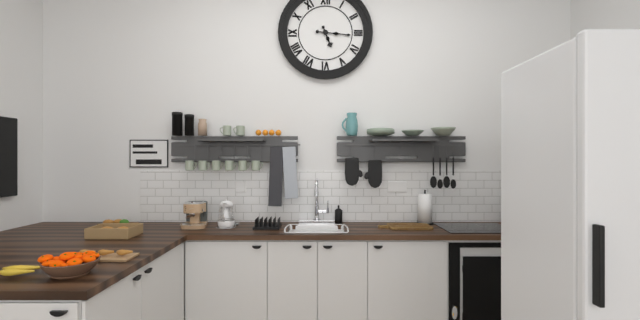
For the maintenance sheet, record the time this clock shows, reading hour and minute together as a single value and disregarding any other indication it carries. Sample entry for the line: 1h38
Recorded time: 5h16
